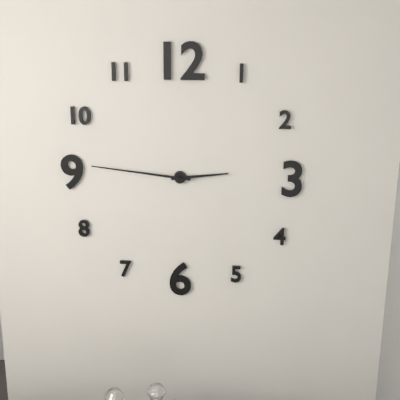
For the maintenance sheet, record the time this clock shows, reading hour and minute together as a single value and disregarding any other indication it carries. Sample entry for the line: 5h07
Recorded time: 2h46
